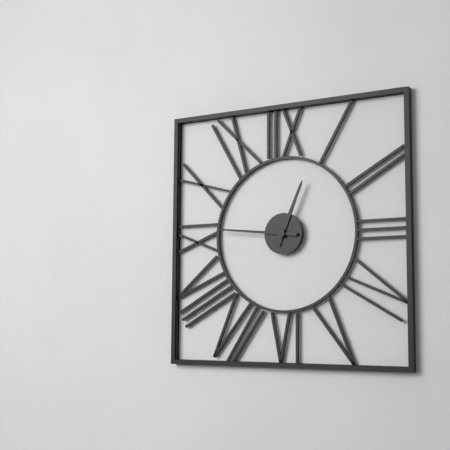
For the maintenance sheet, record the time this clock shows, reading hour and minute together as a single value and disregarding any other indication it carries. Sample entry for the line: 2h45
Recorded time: 12h46
